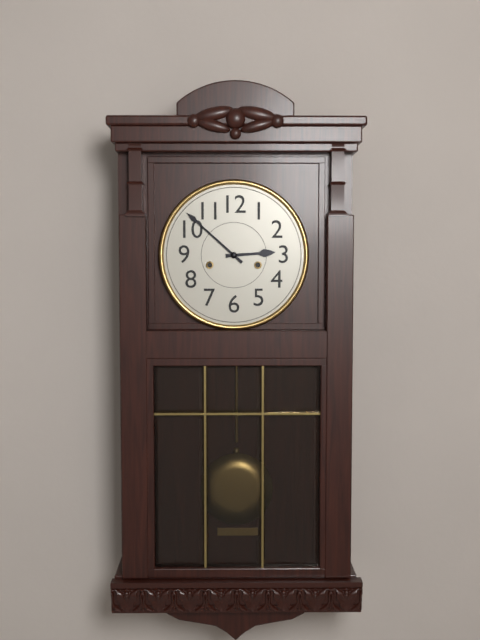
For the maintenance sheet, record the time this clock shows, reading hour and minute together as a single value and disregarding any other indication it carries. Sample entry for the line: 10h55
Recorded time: 2h52
